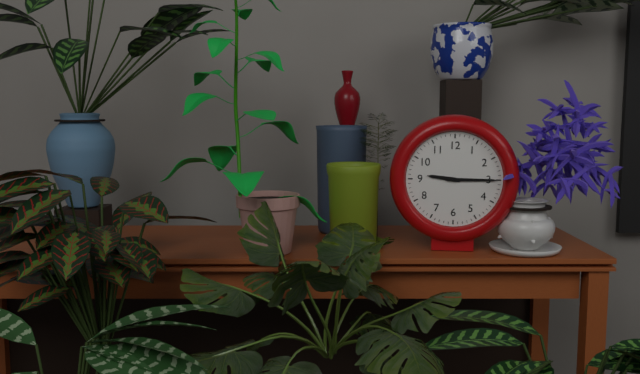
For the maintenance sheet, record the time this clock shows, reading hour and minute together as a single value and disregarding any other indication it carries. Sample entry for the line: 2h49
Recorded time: 9h15
